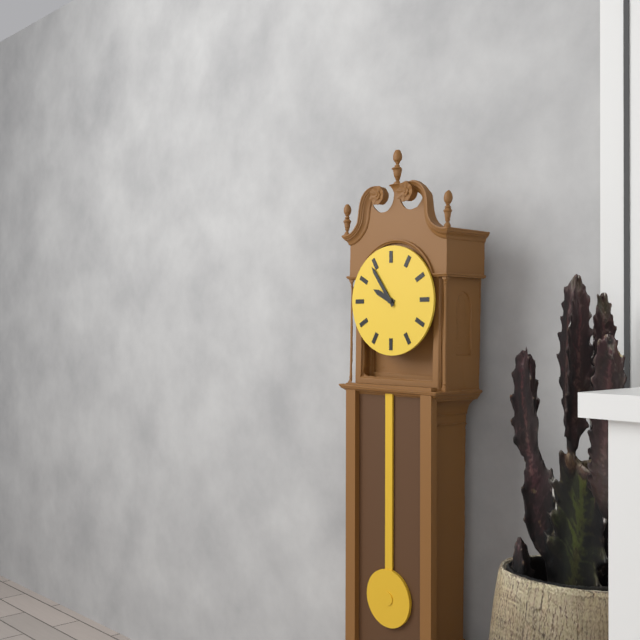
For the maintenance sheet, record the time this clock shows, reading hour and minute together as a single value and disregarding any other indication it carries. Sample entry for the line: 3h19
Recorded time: 9h54
